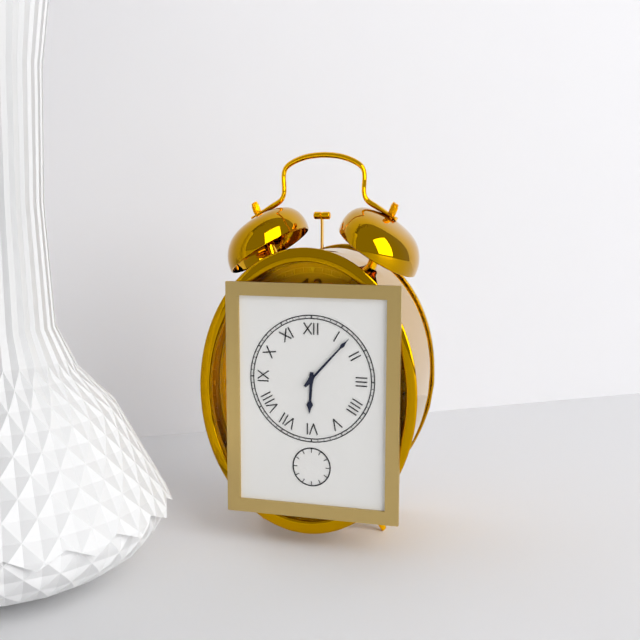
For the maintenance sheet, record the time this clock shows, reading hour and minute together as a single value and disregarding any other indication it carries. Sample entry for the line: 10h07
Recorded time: 6h07
